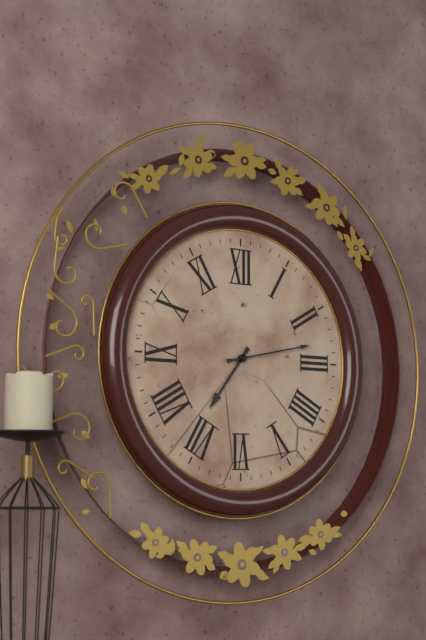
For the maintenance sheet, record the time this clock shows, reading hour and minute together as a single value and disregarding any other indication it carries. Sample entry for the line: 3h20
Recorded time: 7h13
